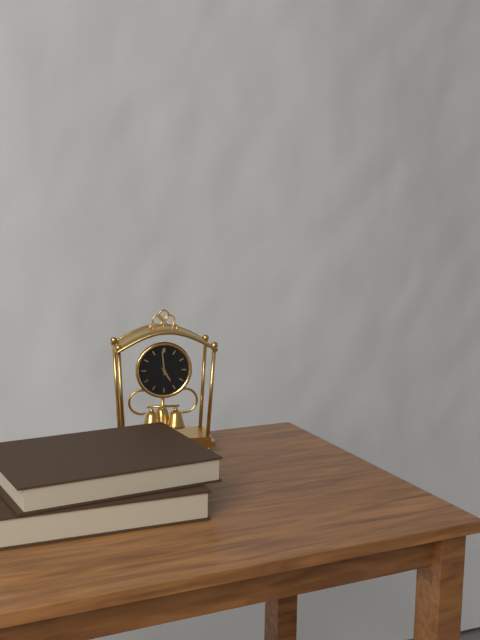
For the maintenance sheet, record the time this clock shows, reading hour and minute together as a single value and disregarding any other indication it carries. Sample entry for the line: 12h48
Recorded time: 4h59
